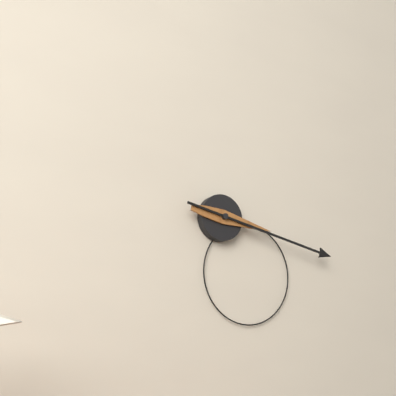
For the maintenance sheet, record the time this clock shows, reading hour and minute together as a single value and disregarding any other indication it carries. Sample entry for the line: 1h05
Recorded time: 3h17
